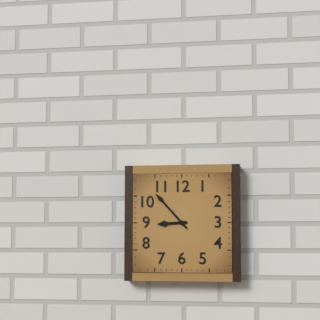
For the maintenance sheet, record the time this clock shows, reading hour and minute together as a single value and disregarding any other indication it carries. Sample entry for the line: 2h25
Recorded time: 8h53
